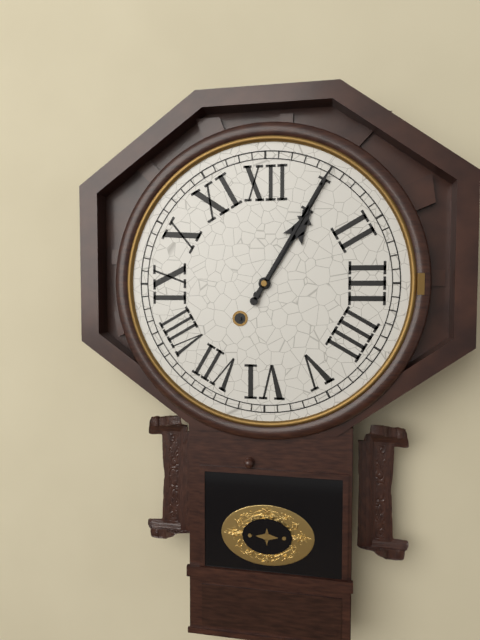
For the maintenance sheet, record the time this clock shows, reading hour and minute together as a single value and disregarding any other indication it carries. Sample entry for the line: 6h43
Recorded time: 1h05
